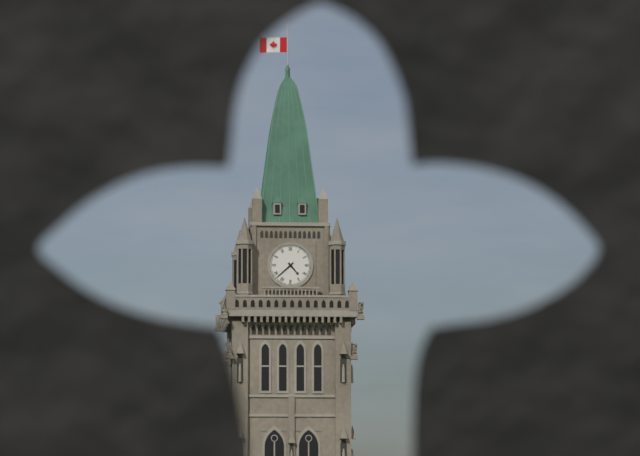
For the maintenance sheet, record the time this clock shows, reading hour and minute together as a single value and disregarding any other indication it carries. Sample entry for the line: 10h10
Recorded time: 4h38
